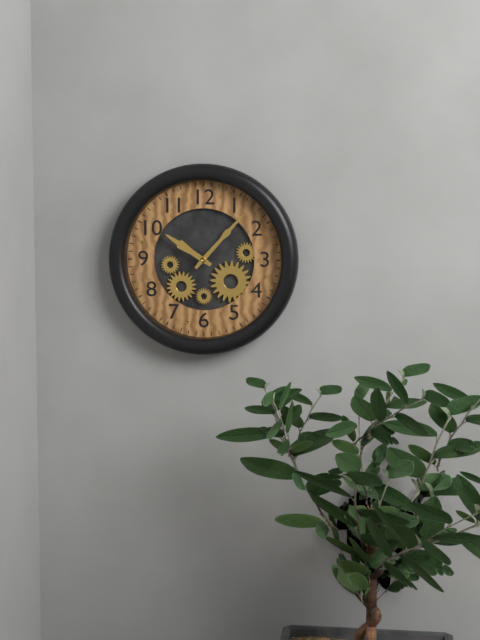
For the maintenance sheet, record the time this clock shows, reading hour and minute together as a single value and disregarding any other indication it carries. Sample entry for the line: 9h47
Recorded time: 10h07
